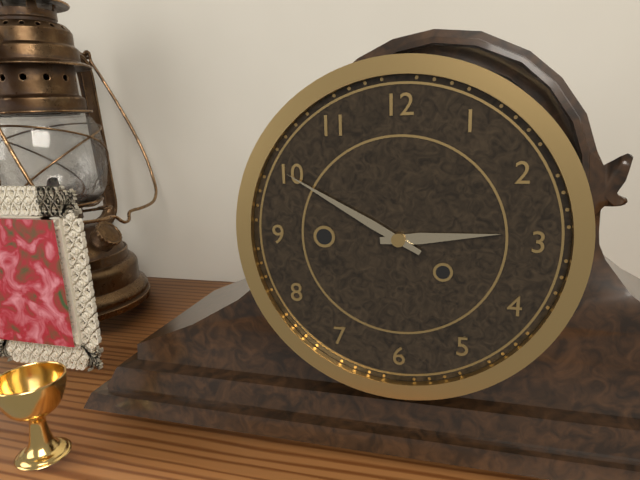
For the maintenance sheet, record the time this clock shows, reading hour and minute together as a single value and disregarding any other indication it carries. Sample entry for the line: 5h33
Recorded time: 2h50
